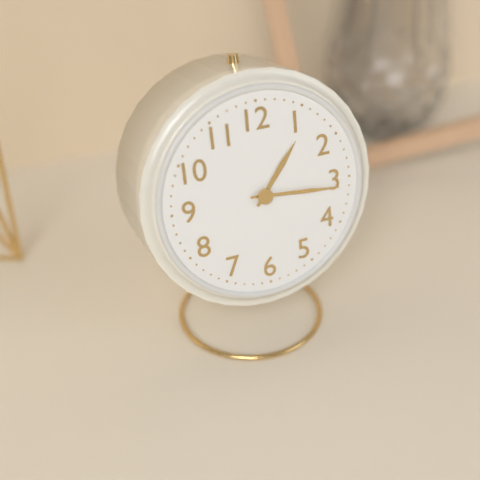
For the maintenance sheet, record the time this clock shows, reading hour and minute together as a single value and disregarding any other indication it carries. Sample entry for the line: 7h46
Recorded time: 1h16
